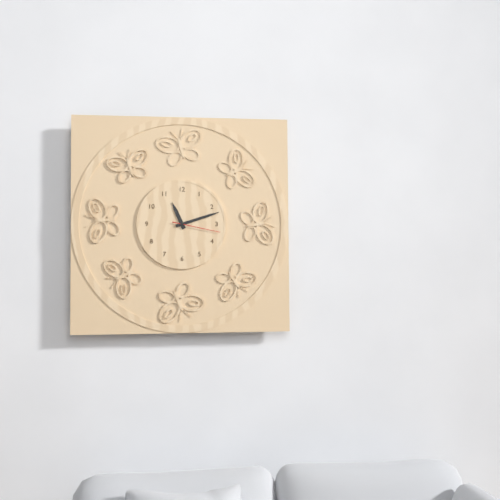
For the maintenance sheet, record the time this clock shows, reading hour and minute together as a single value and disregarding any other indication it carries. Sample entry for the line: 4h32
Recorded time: 11h12
